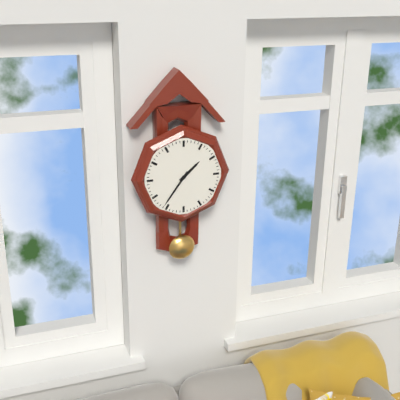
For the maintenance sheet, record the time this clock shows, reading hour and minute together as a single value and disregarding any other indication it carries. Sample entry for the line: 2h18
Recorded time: 1h36
